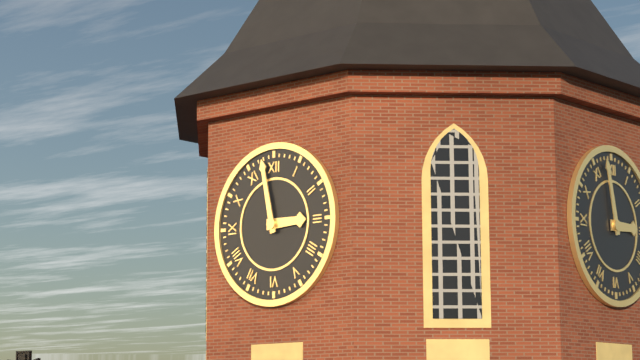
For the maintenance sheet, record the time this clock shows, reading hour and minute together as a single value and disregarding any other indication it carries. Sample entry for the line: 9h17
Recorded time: 2h58
